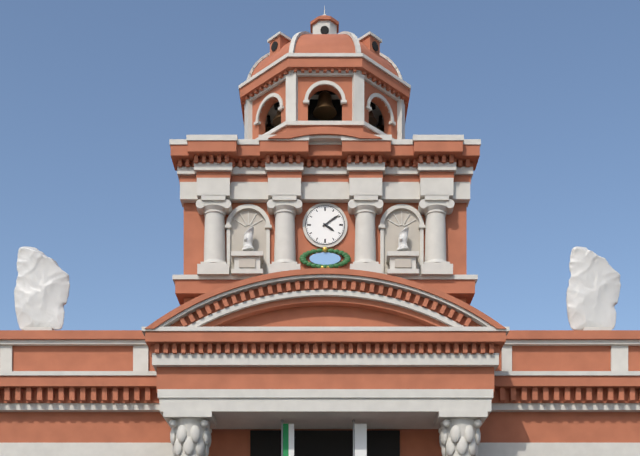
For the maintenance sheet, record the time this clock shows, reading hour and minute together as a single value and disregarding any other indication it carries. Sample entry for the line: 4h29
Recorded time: 4h09
